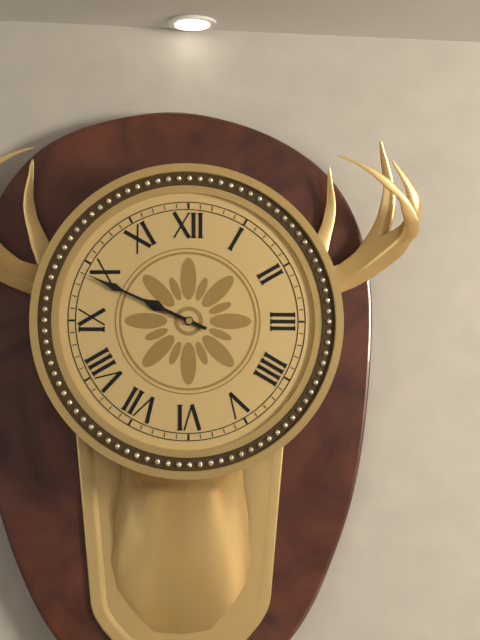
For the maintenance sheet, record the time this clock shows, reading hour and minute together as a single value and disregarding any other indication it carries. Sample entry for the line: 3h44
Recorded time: 9h49
